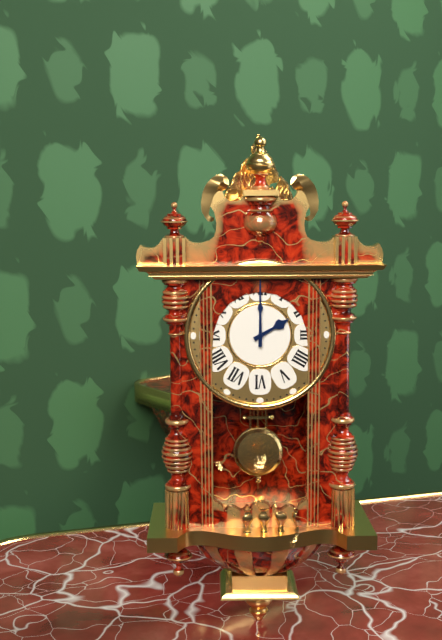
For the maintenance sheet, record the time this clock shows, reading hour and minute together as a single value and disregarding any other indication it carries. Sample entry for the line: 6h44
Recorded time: 2h00
